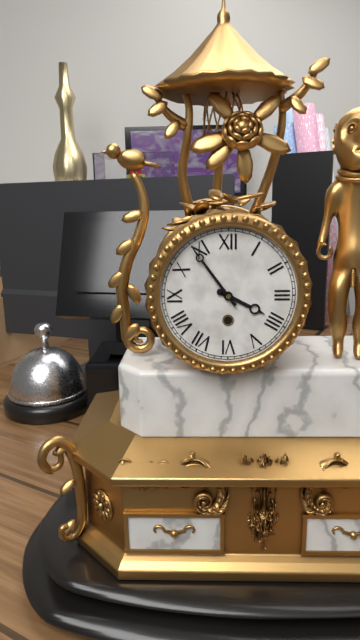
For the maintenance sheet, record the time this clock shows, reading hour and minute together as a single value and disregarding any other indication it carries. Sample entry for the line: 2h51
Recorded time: 3h54
